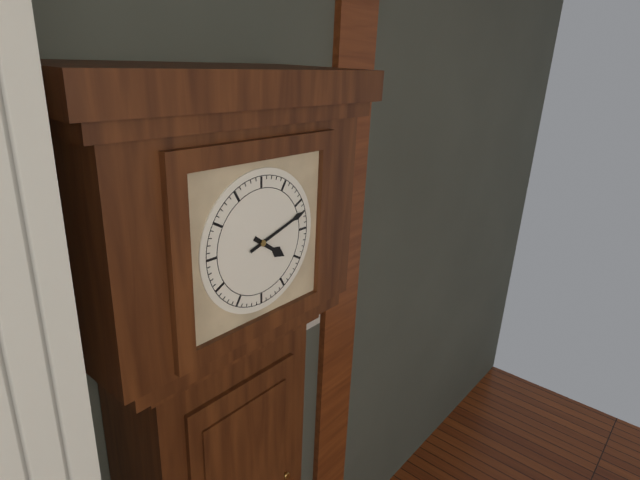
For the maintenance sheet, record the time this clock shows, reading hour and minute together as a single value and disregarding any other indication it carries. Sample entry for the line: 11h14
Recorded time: 4h12
